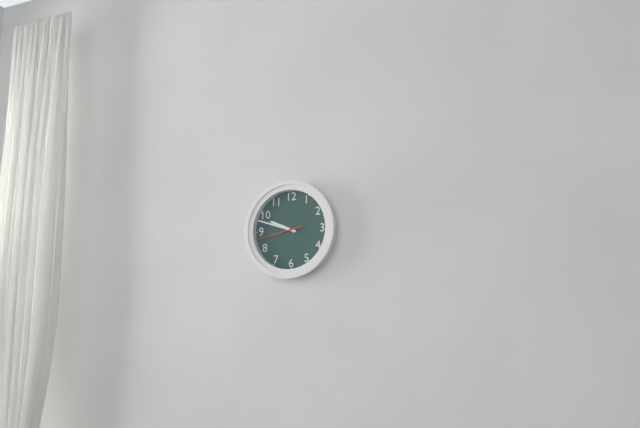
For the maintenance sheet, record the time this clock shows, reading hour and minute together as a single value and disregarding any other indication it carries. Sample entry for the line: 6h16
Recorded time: 9h48
